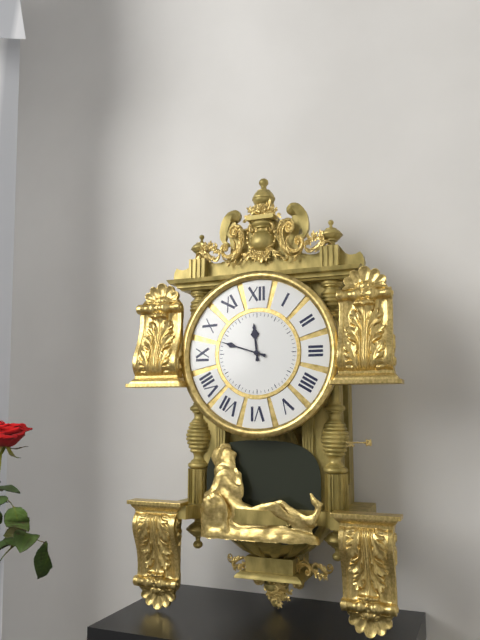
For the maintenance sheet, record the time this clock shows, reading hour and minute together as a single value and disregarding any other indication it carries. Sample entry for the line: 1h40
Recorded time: 11h48
